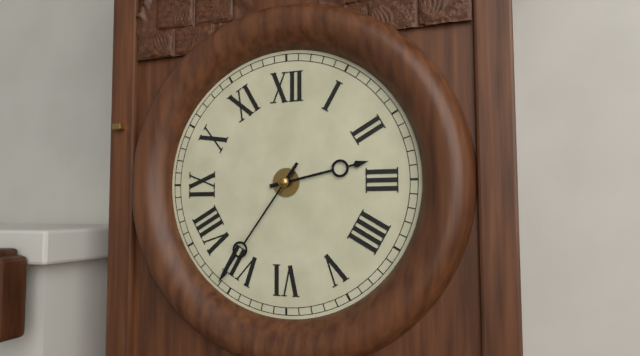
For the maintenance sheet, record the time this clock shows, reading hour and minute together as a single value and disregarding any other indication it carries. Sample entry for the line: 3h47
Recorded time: 2h36
